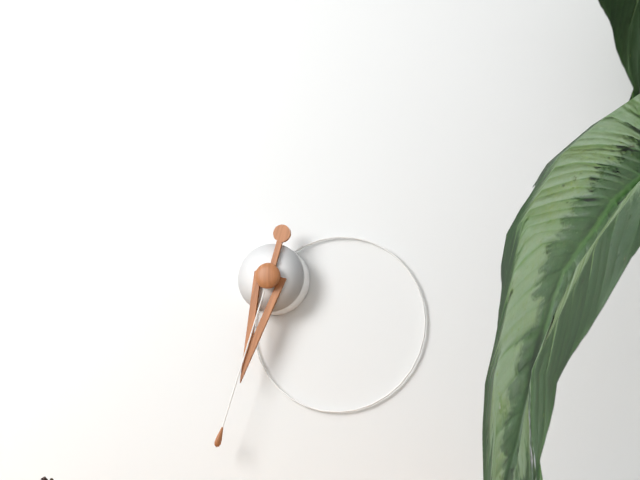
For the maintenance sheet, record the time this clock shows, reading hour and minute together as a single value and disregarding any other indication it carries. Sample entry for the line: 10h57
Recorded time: 6h33
